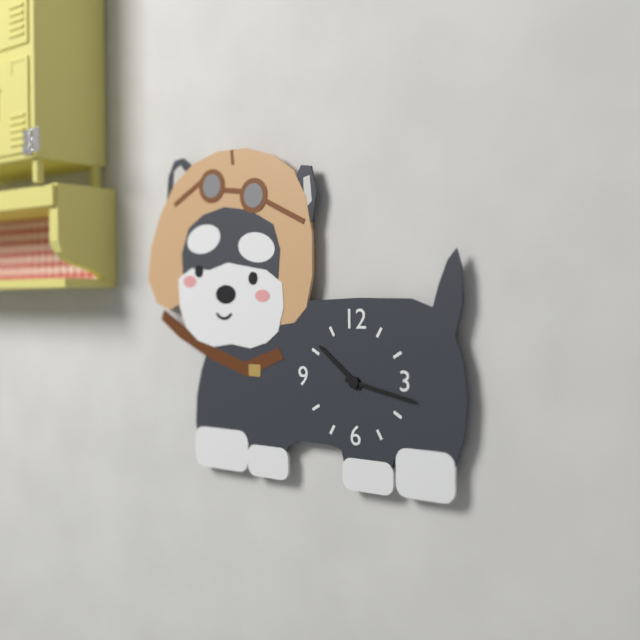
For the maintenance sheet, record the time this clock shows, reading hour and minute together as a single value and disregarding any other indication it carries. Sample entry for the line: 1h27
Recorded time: 10h17
